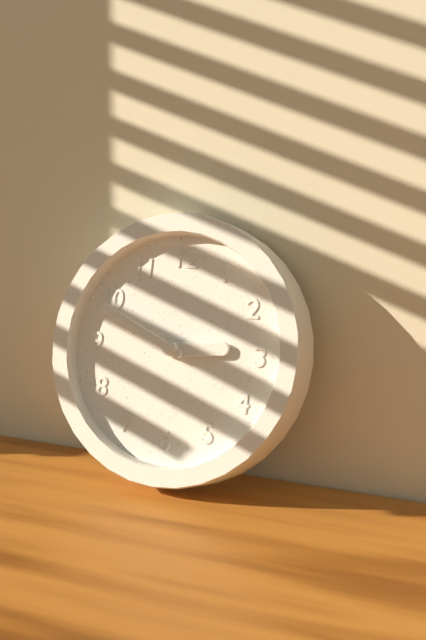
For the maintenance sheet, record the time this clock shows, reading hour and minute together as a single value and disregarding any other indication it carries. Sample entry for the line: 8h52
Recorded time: 2h49
